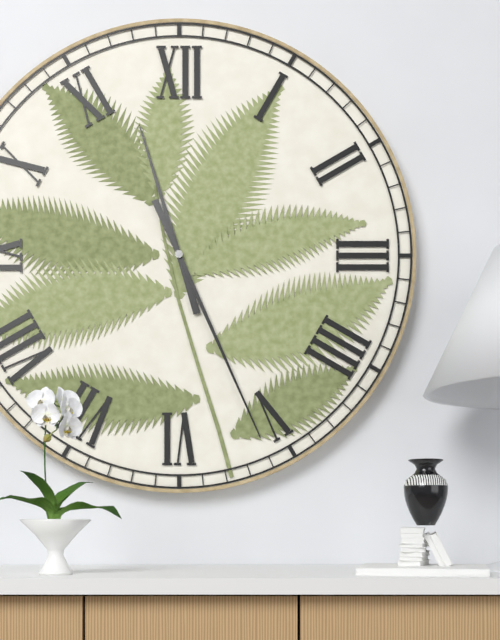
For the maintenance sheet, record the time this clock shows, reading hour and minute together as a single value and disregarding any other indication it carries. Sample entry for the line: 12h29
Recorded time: 11h26
